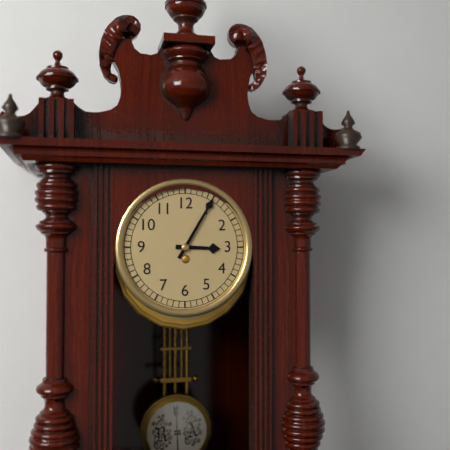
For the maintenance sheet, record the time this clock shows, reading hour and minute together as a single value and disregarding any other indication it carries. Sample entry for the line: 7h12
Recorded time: 3h05
